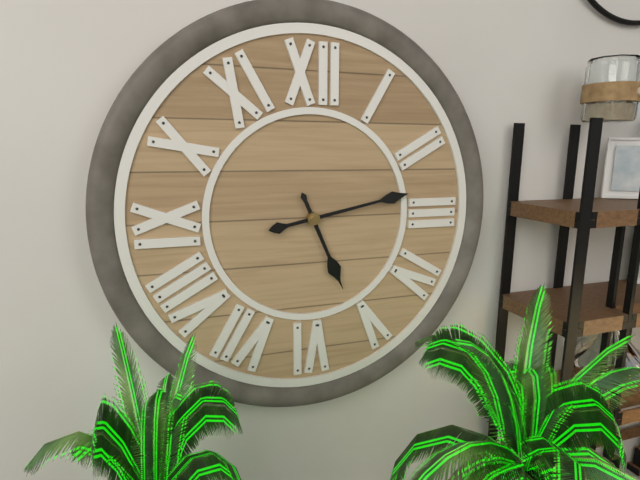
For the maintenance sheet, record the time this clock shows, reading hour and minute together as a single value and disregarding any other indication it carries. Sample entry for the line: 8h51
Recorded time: 5h13
